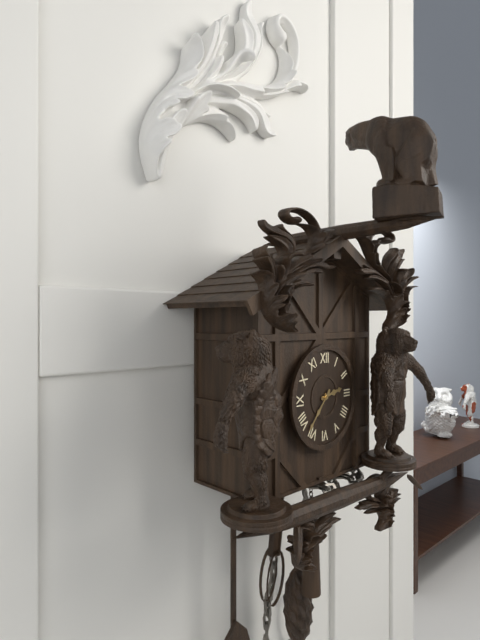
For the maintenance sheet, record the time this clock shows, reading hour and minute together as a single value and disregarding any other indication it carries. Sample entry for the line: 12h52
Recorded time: 2h37
